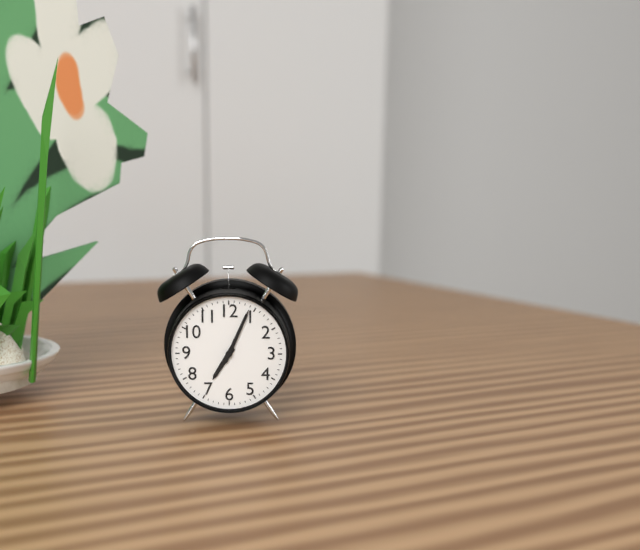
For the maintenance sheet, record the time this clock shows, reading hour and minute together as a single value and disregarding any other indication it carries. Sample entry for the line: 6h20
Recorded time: 7h04
